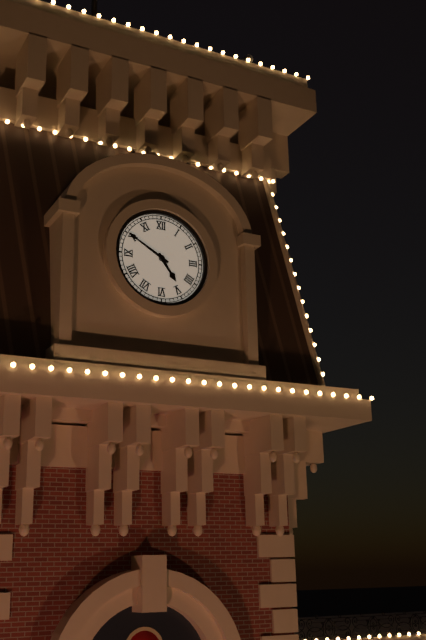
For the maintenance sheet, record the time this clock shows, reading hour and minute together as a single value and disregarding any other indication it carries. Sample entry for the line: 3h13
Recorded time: 4h50
